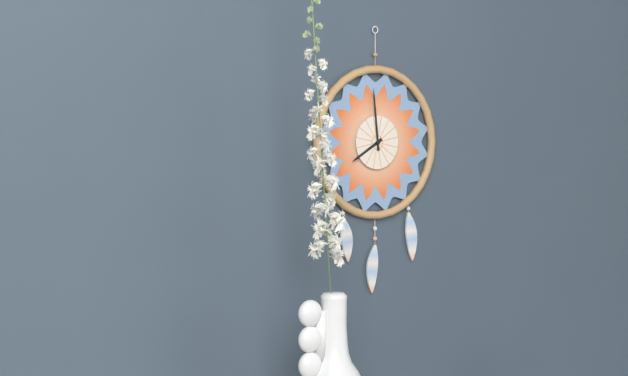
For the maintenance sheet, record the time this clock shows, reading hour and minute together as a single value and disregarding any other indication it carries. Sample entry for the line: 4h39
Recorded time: 7h59
